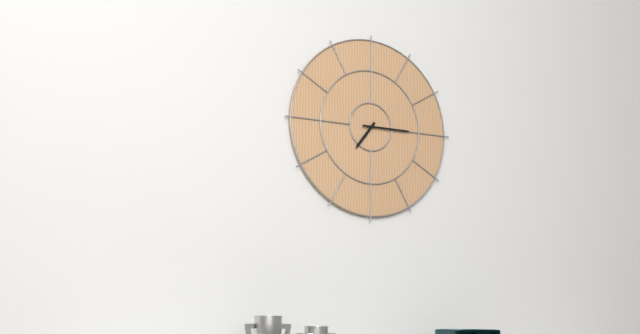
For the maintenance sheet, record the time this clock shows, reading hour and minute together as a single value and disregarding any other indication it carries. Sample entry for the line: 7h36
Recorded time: 7h15
